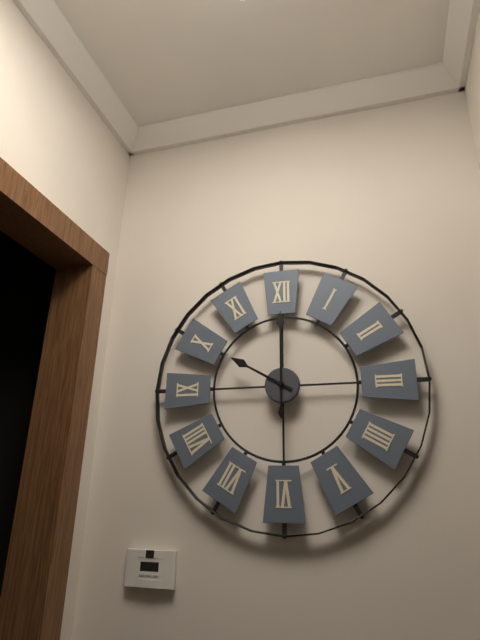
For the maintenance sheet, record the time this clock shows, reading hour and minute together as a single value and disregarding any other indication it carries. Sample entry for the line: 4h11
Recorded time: 10h00
